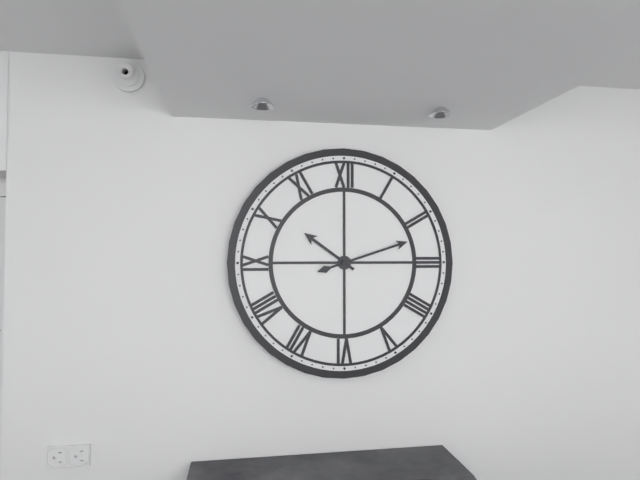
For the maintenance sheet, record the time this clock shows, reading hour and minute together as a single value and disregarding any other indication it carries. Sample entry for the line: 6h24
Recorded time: 10h12
